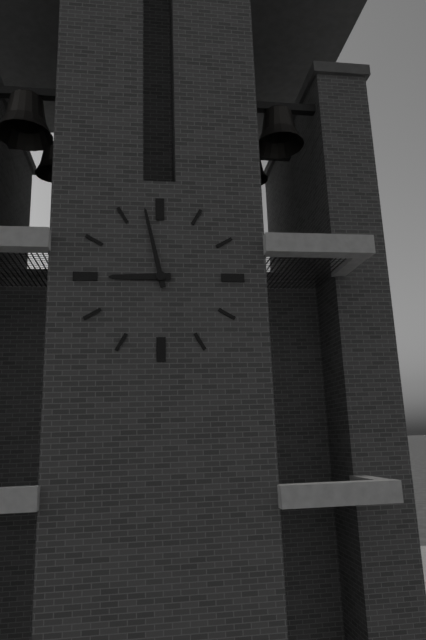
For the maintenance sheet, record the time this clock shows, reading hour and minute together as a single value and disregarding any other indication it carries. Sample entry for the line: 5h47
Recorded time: 8h58
